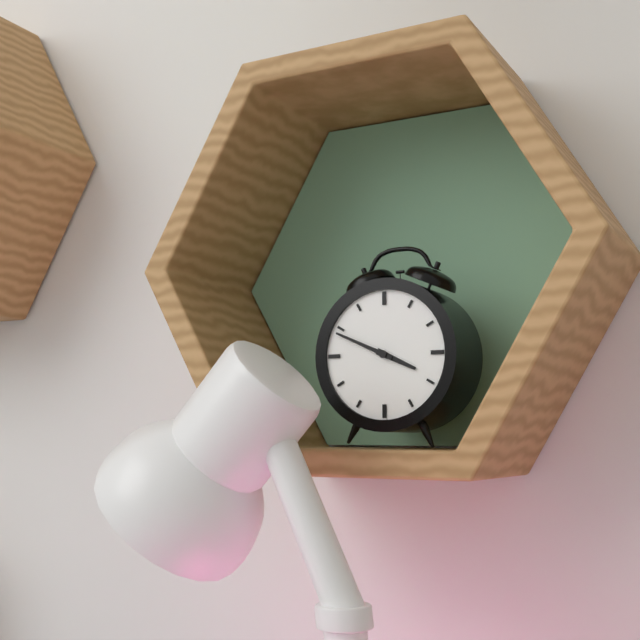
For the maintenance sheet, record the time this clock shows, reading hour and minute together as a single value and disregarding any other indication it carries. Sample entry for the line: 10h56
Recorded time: 3h49
